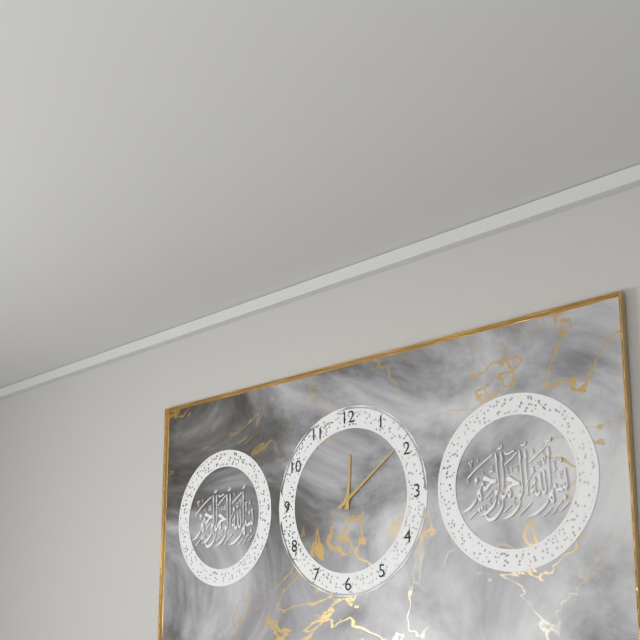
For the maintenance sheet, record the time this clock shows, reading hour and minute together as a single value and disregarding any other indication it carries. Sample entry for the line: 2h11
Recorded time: 12h09
